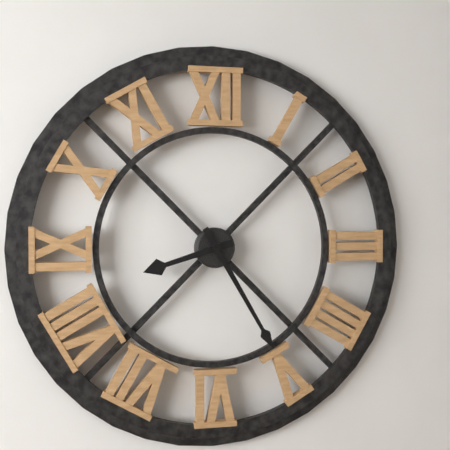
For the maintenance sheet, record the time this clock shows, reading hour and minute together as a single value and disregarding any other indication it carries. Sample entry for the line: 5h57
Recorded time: 8h25
